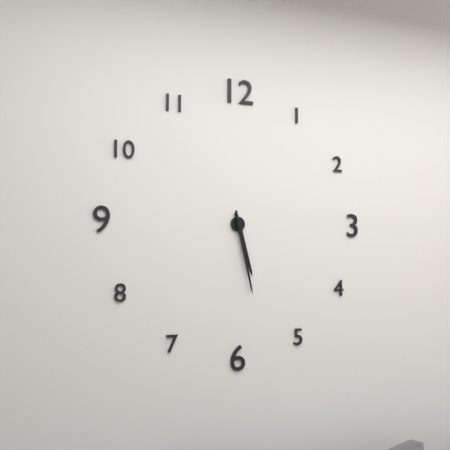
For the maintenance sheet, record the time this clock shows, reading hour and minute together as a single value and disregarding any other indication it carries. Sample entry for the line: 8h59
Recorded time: 5h28
